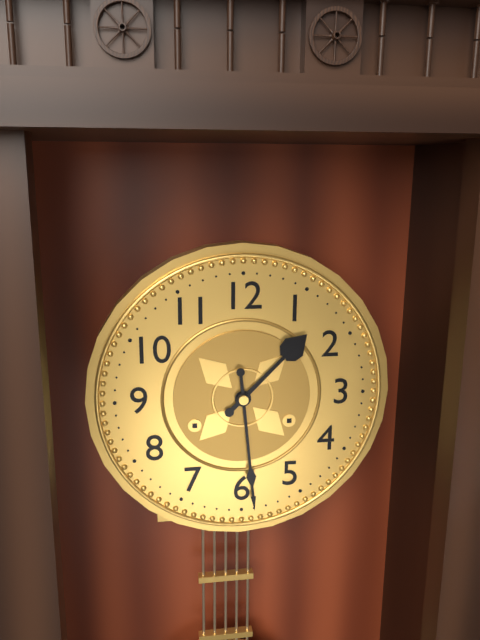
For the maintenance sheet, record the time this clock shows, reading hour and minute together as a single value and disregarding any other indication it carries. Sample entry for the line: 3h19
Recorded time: 1h29
